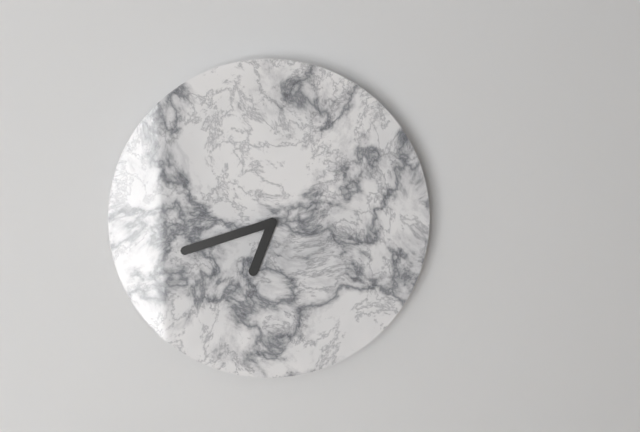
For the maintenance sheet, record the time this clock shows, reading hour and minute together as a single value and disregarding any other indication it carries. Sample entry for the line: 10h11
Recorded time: 6h42
